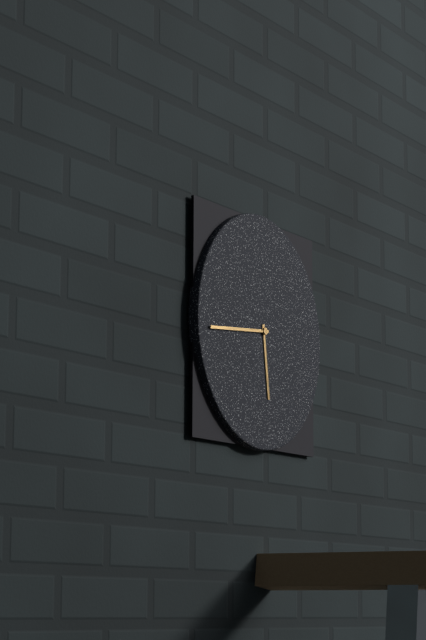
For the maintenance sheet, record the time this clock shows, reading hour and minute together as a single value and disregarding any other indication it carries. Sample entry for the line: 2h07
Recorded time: 5h44
